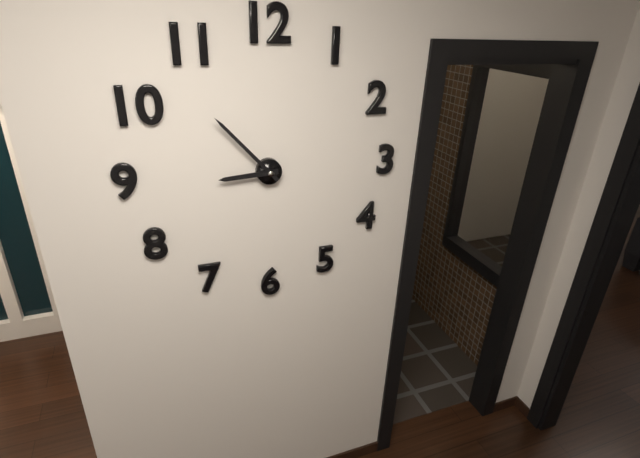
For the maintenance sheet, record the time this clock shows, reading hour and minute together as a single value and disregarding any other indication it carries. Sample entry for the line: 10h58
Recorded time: 8h53
